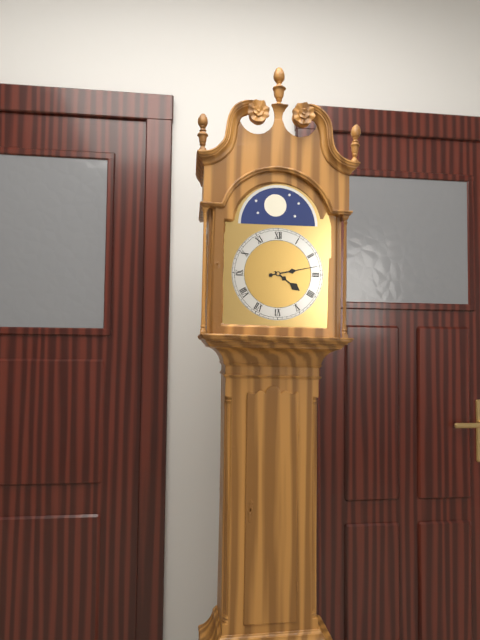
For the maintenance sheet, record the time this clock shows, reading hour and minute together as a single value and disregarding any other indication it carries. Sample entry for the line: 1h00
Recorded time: 4h13
